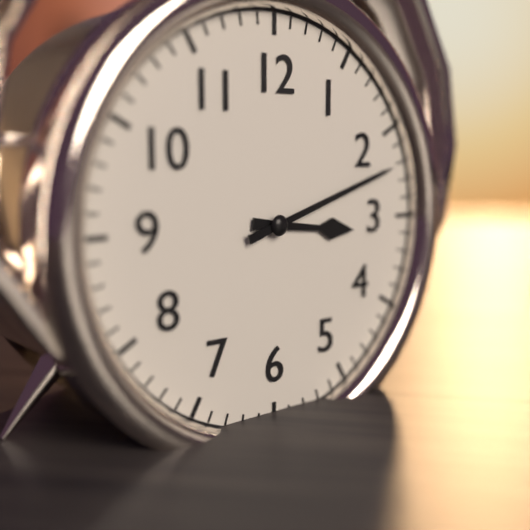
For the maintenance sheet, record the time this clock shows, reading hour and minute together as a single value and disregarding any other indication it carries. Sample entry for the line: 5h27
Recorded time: 3h12
